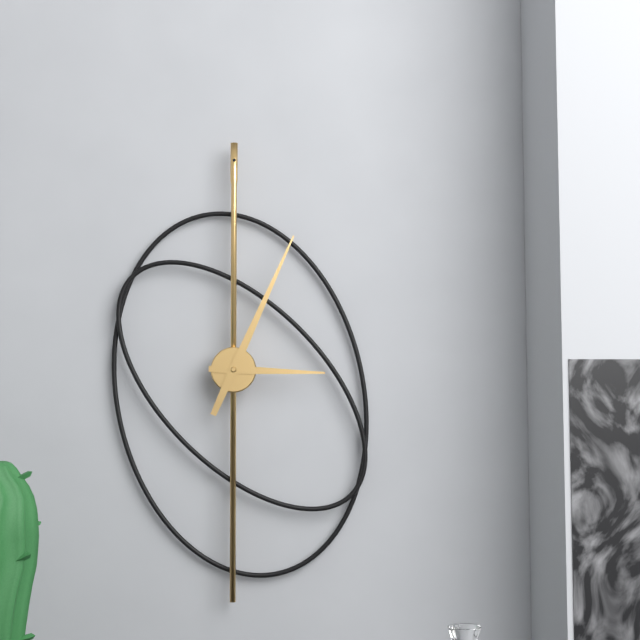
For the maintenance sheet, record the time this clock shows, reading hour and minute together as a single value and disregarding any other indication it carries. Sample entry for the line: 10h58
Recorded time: 3h04
